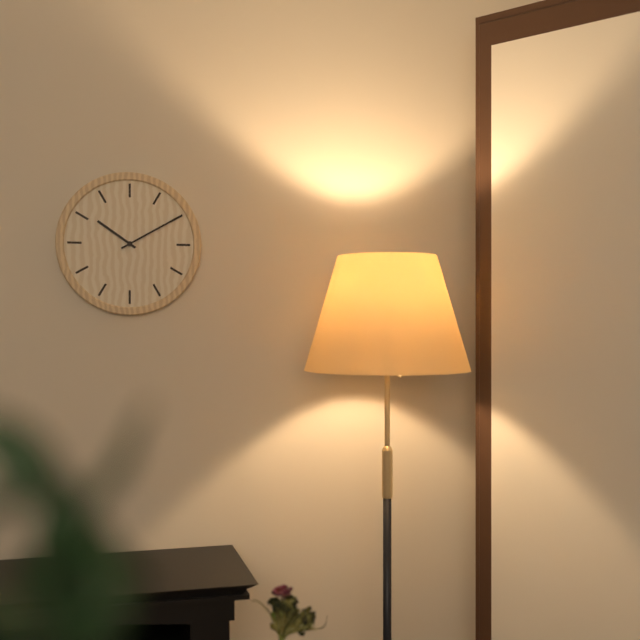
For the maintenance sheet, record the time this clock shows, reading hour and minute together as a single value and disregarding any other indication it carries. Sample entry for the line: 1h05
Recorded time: 10h10
